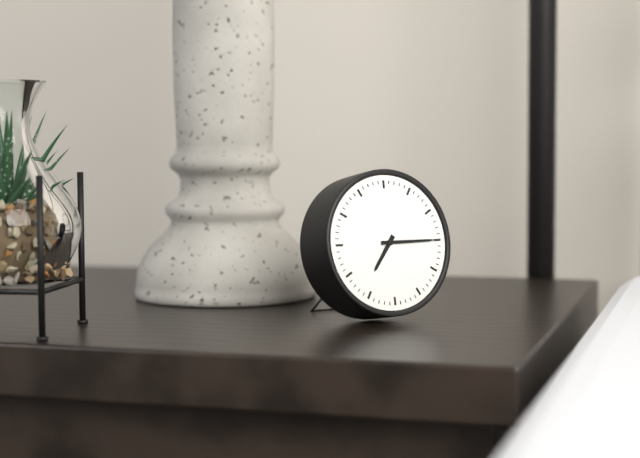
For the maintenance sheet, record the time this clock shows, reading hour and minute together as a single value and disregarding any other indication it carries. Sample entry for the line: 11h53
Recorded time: 7h15
